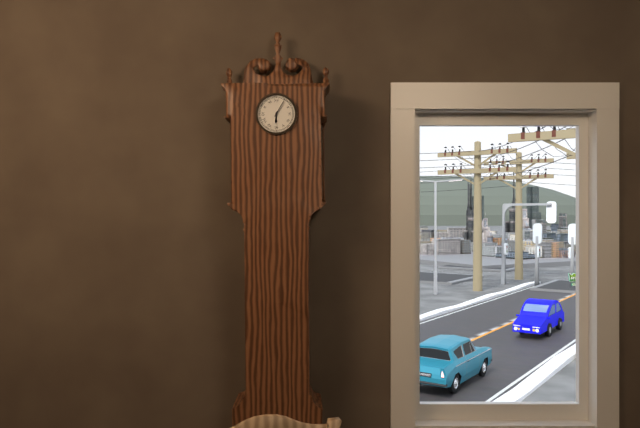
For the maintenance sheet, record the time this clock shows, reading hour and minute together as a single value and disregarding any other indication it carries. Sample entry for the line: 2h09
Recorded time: 6h05
